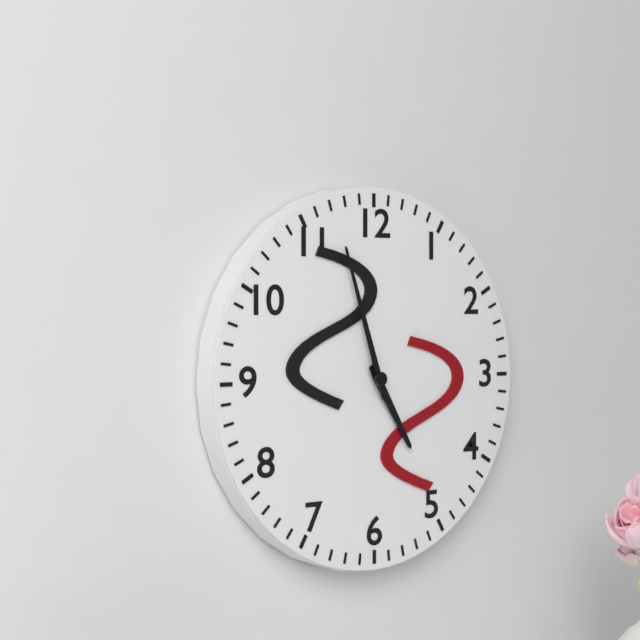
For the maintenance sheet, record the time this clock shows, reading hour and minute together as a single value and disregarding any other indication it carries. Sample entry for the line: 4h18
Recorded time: 4h57
